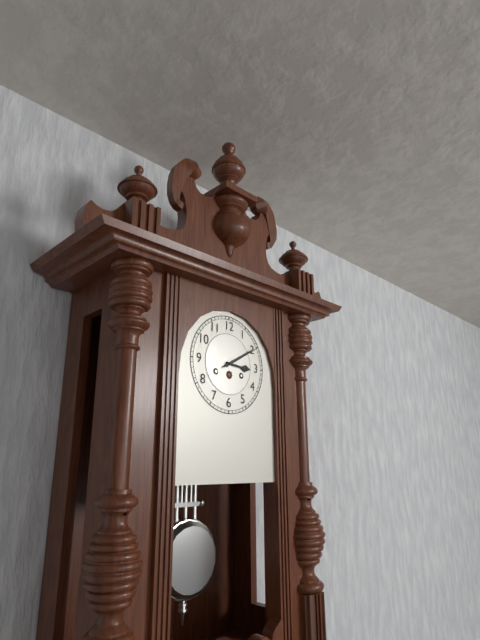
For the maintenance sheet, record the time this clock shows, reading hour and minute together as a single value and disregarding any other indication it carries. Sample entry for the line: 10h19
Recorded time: 3h10
